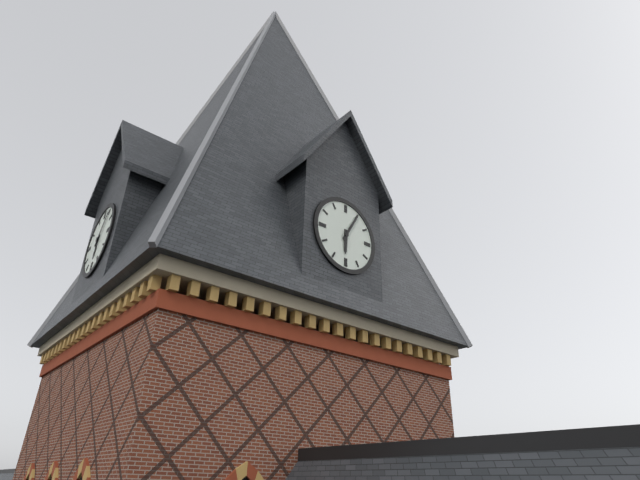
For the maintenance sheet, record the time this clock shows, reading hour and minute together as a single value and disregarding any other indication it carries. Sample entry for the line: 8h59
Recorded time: 6h05
